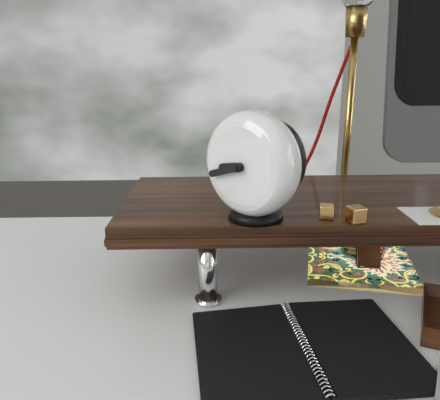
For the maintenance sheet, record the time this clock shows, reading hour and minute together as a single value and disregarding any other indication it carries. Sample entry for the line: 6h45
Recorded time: 8h42
